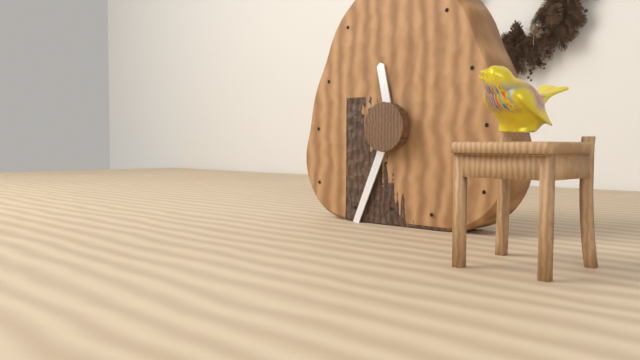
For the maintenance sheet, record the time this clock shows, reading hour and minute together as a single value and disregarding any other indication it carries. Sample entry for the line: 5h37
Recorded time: 11h34
